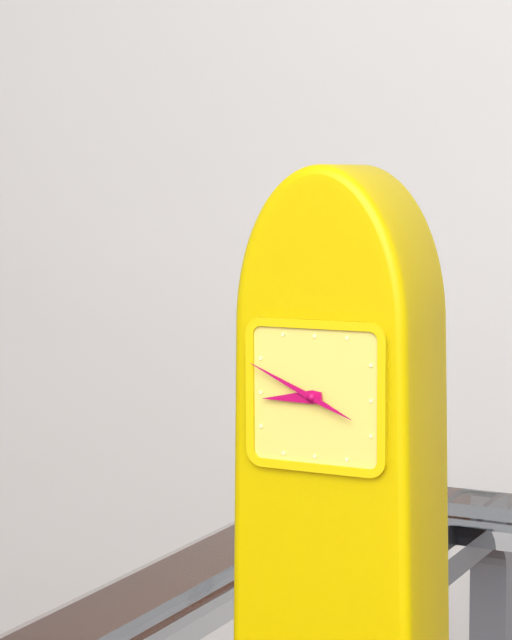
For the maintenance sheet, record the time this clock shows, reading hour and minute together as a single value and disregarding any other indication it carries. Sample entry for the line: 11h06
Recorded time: 8h49
